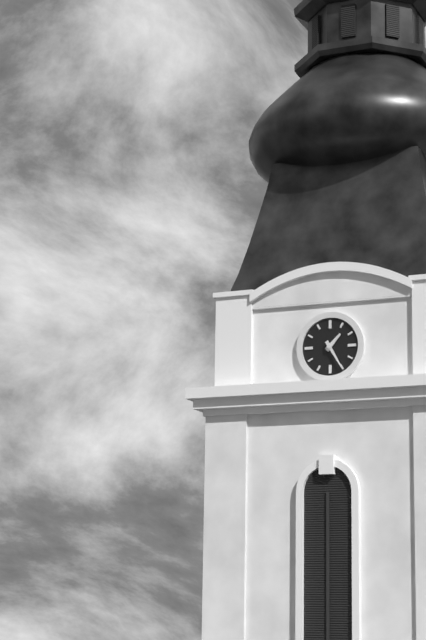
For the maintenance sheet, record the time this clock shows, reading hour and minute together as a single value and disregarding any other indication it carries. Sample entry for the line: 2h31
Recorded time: 1h25
